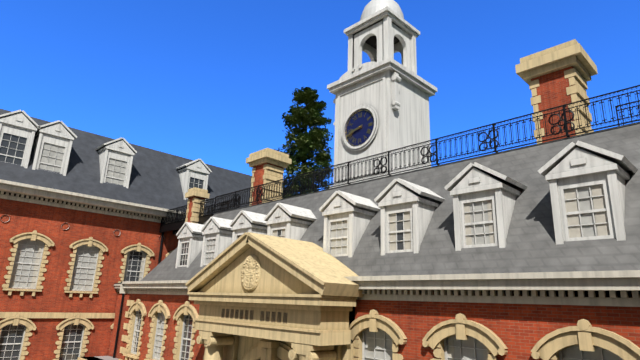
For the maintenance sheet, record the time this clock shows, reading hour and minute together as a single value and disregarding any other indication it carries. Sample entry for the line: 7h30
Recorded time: 8h42
